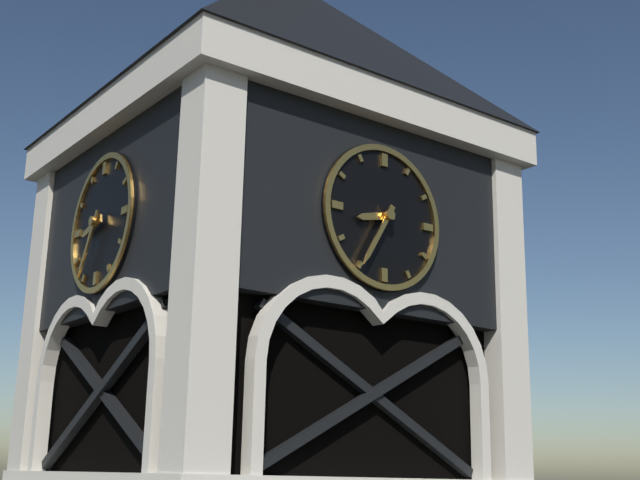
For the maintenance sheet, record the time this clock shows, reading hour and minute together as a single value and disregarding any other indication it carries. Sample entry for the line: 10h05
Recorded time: 8h35
